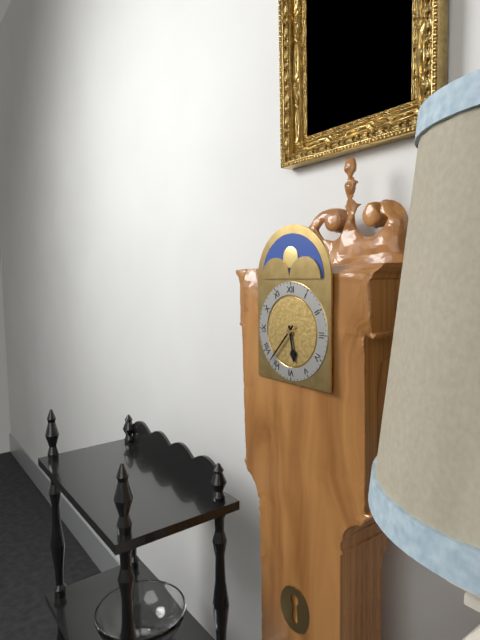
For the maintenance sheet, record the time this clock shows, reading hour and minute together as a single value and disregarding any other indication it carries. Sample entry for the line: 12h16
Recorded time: 5h37
